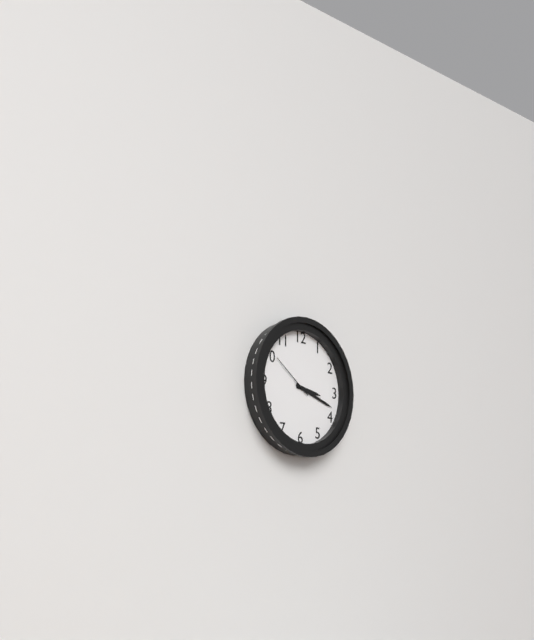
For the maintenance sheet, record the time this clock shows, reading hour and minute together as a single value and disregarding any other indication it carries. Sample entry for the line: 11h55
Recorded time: 3h18
